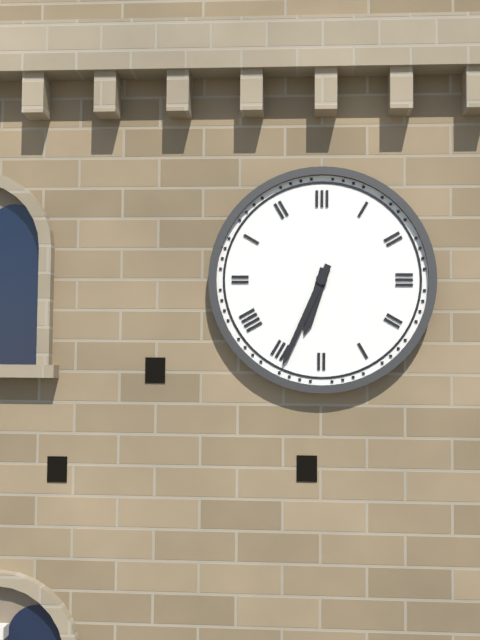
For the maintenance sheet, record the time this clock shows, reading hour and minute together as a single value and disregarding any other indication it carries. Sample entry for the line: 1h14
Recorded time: 6h34
